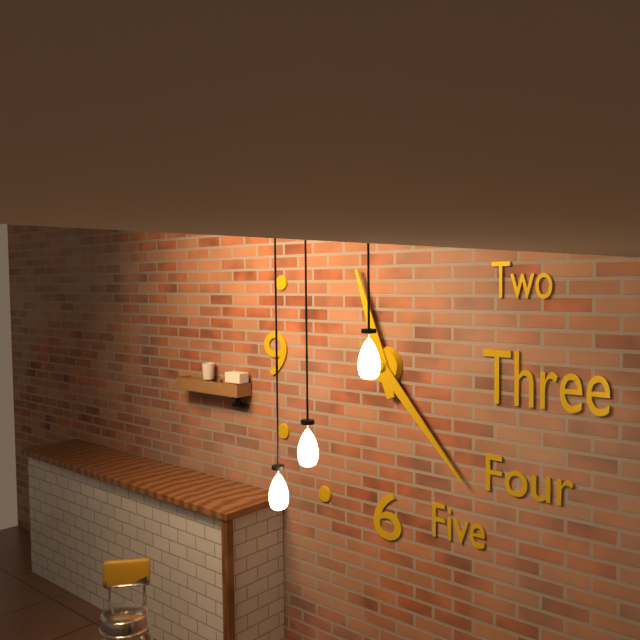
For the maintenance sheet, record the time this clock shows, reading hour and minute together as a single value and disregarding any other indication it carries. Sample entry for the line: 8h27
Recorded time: 11h23
